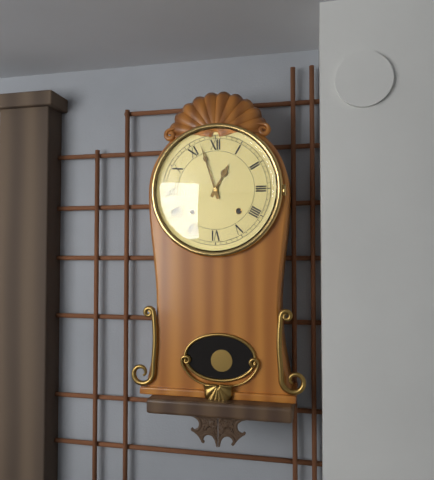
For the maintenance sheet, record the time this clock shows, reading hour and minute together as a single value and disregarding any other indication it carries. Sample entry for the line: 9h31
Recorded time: 12h57
